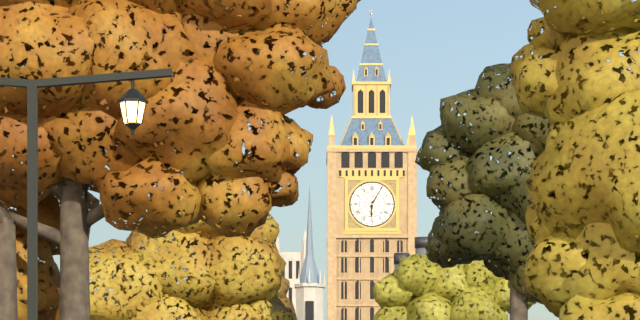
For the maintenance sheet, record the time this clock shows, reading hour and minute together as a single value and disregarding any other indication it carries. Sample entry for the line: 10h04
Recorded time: 6h05
